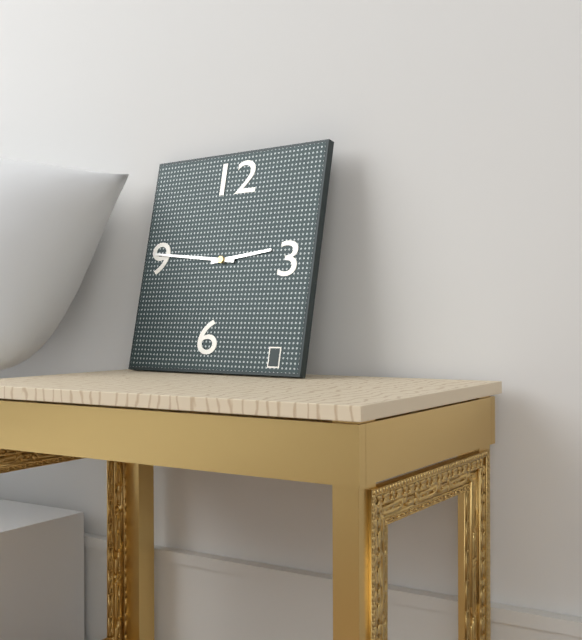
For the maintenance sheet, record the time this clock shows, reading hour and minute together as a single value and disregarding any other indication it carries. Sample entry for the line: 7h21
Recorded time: 2h46
